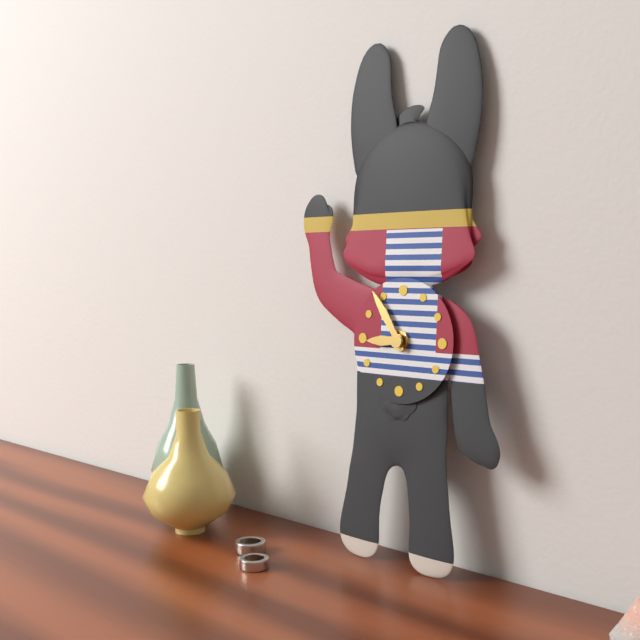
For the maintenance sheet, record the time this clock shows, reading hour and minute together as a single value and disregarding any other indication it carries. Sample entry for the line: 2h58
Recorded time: 8h54
